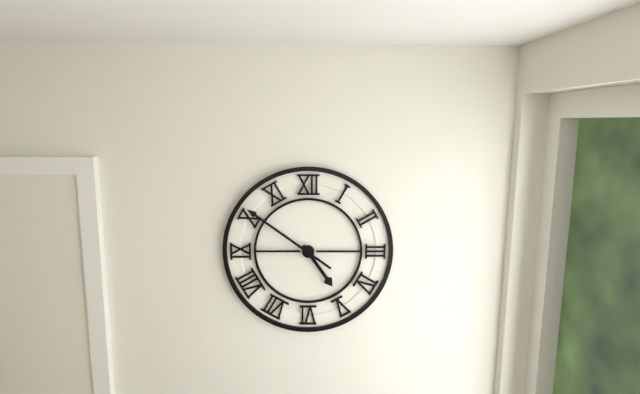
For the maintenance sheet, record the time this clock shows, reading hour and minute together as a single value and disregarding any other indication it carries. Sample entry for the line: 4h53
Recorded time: 4h51
